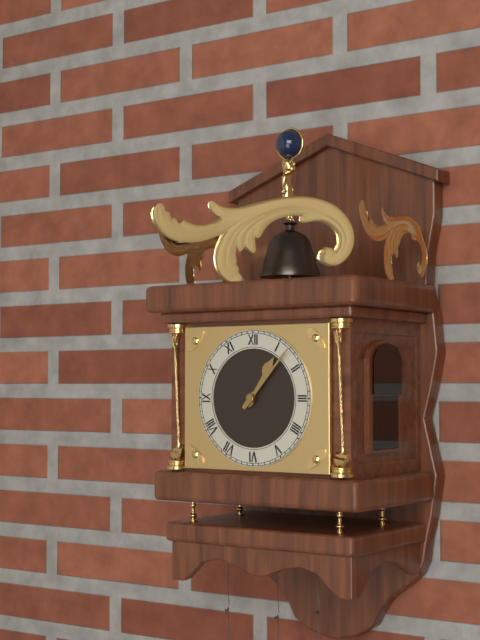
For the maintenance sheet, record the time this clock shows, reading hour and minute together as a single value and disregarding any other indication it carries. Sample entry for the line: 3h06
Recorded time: 1h07
